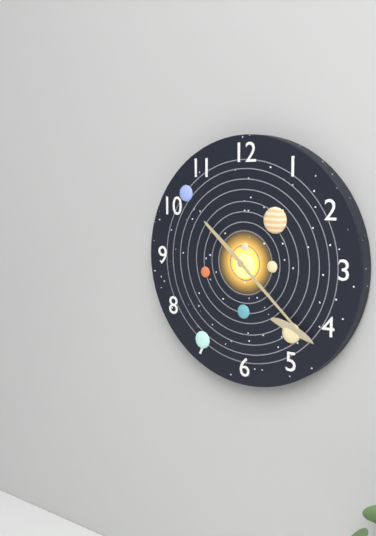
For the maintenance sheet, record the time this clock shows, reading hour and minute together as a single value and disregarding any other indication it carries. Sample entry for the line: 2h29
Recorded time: 10h22
